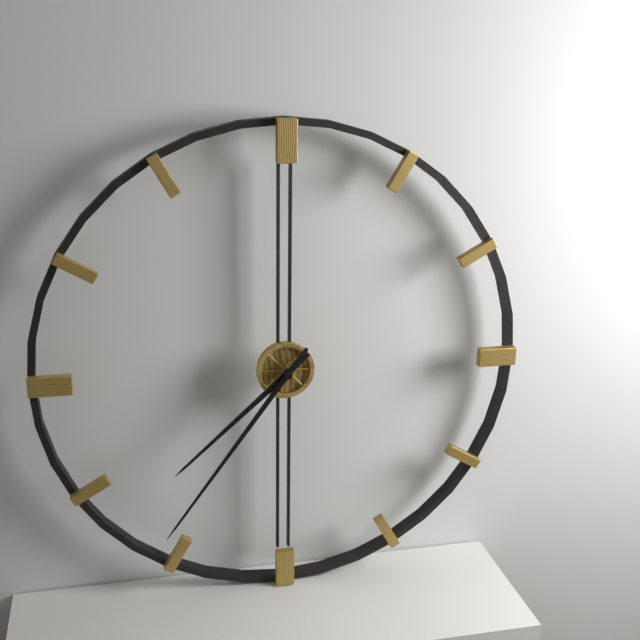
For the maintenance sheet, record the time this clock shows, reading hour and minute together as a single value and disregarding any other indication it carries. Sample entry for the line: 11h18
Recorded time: 7h36
